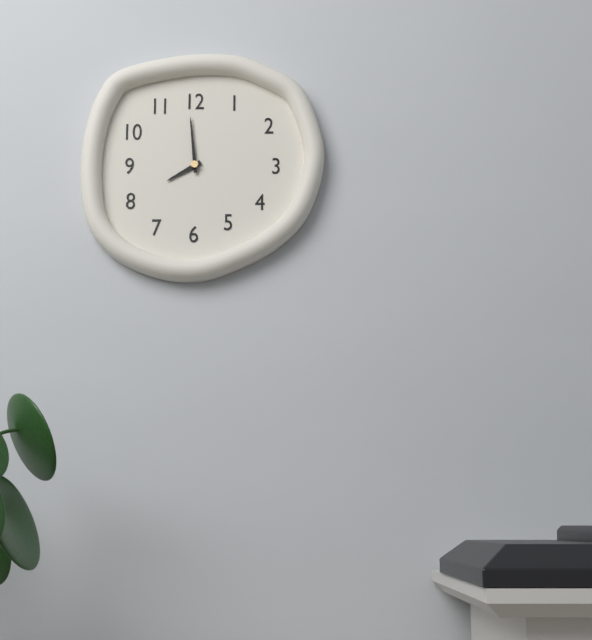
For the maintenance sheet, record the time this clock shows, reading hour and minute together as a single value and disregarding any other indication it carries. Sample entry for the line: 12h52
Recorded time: 7h59
